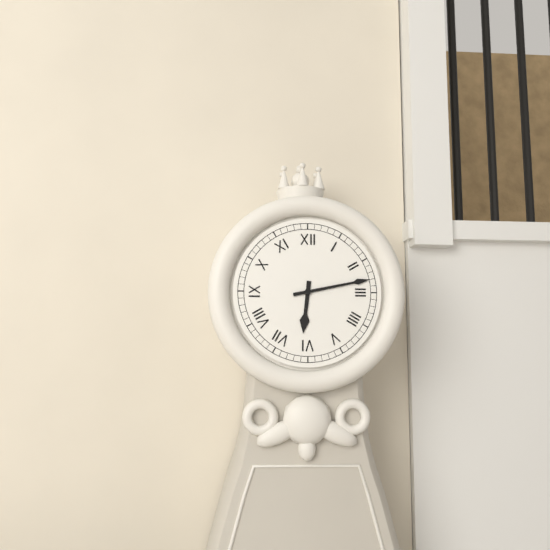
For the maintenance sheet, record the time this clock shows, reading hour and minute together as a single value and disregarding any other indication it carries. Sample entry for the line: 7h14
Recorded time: 6h13
